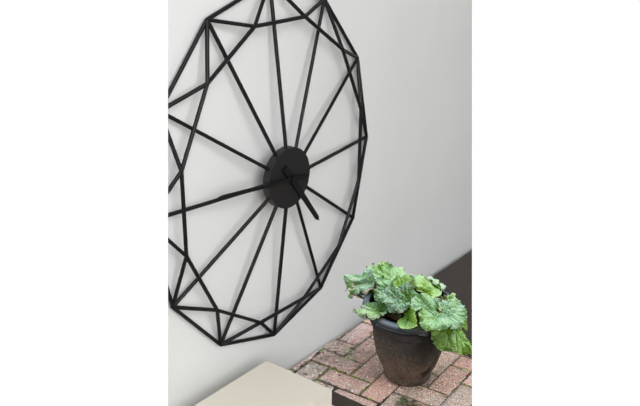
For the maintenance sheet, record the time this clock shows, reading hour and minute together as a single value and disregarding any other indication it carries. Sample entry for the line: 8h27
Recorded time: 4h46
